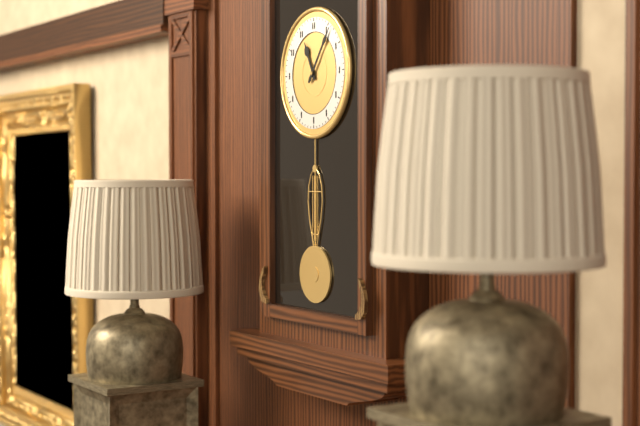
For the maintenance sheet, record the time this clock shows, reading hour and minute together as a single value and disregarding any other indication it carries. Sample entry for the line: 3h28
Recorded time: 11h06
